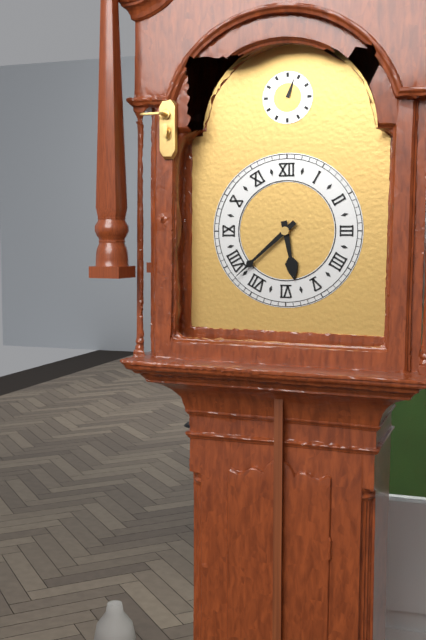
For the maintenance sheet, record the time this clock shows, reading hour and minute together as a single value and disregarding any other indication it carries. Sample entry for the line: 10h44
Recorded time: 5h38
